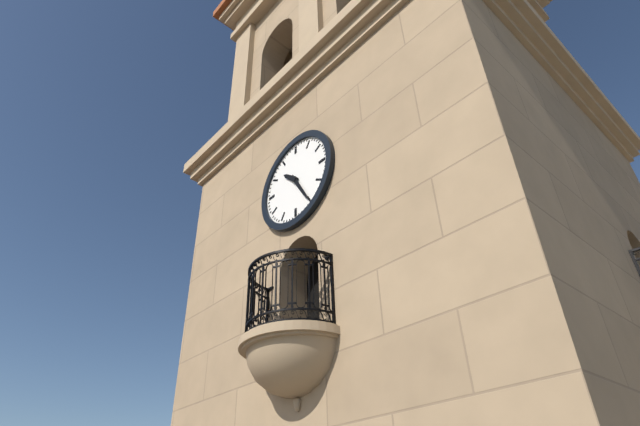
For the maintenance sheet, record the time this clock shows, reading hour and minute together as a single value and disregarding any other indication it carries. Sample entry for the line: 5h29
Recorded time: 10h25
